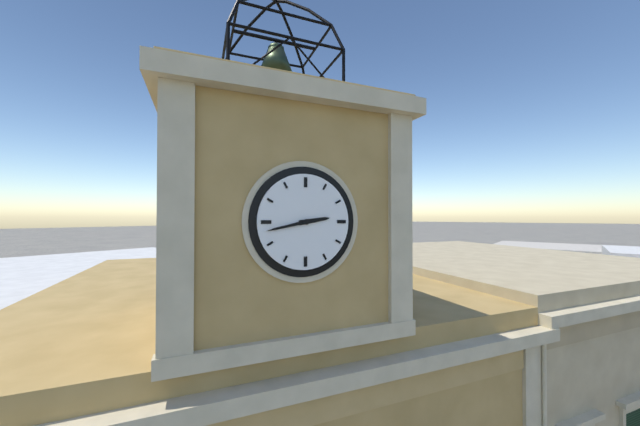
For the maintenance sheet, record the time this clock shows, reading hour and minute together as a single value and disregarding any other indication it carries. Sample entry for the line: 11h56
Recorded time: 2h43
